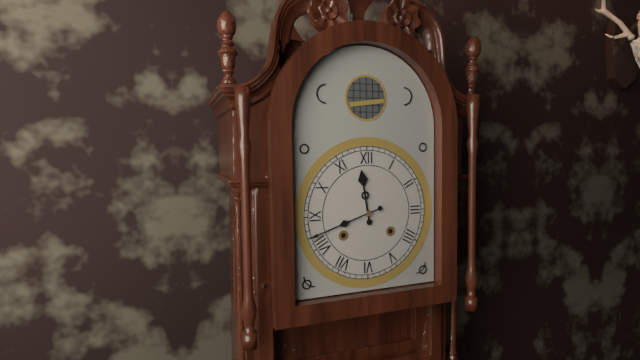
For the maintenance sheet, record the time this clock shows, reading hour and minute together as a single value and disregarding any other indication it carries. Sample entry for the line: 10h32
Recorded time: 11h42
